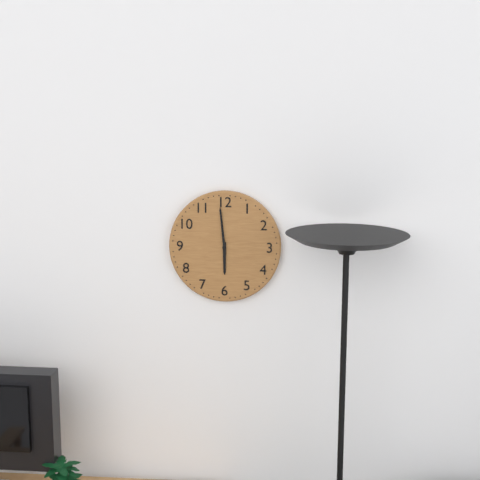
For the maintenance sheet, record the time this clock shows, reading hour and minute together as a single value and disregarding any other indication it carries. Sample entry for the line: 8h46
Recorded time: 5h59
